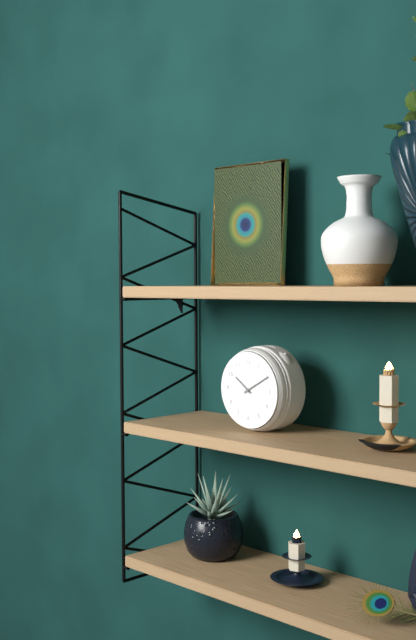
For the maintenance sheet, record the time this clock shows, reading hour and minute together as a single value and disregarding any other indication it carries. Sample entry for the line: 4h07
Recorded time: 10h10
